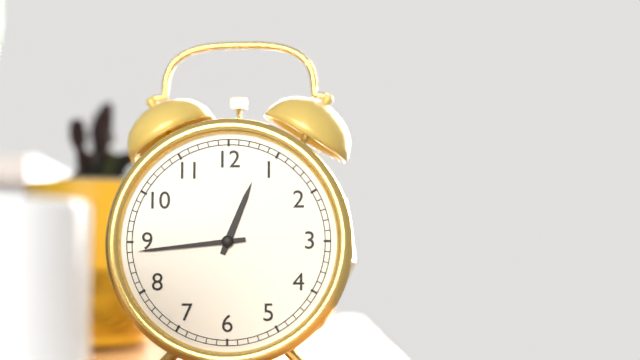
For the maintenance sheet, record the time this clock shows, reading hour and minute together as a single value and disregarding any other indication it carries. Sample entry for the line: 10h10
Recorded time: 12h44
